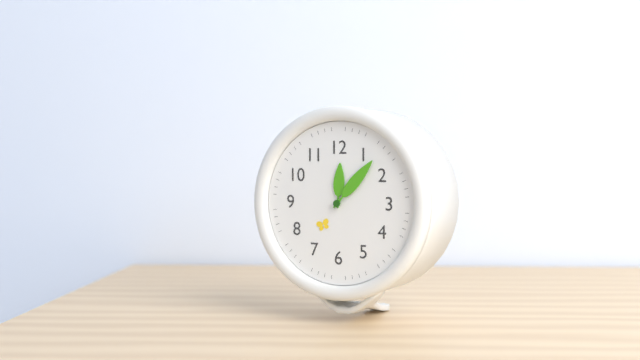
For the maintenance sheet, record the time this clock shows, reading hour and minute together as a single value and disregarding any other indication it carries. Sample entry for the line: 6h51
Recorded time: 12h07
